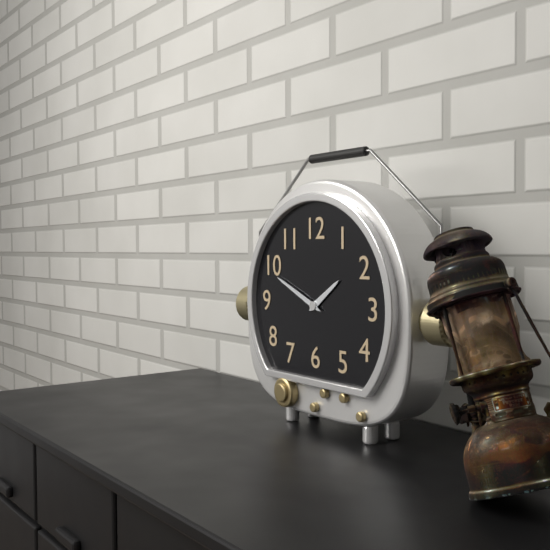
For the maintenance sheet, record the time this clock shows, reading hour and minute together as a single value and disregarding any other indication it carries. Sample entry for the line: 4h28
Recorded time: 1h49
